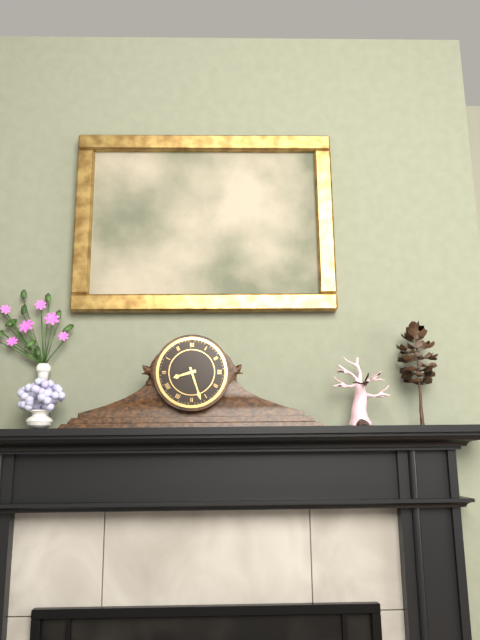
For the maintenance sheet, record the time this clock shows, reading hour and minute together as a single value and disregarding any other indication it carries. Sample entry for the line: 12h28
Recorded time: 8h27
